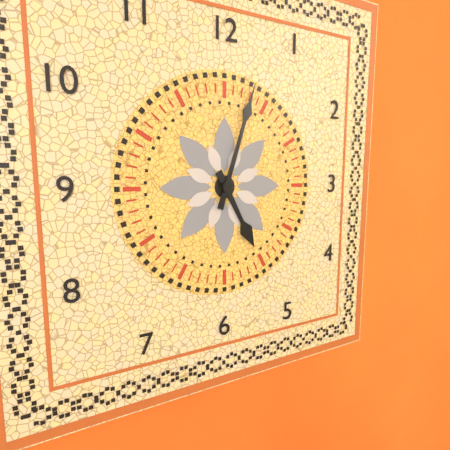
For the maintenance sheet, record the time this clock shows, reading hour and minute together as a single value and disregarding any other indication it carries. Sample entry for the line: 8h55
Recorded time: 5h03
